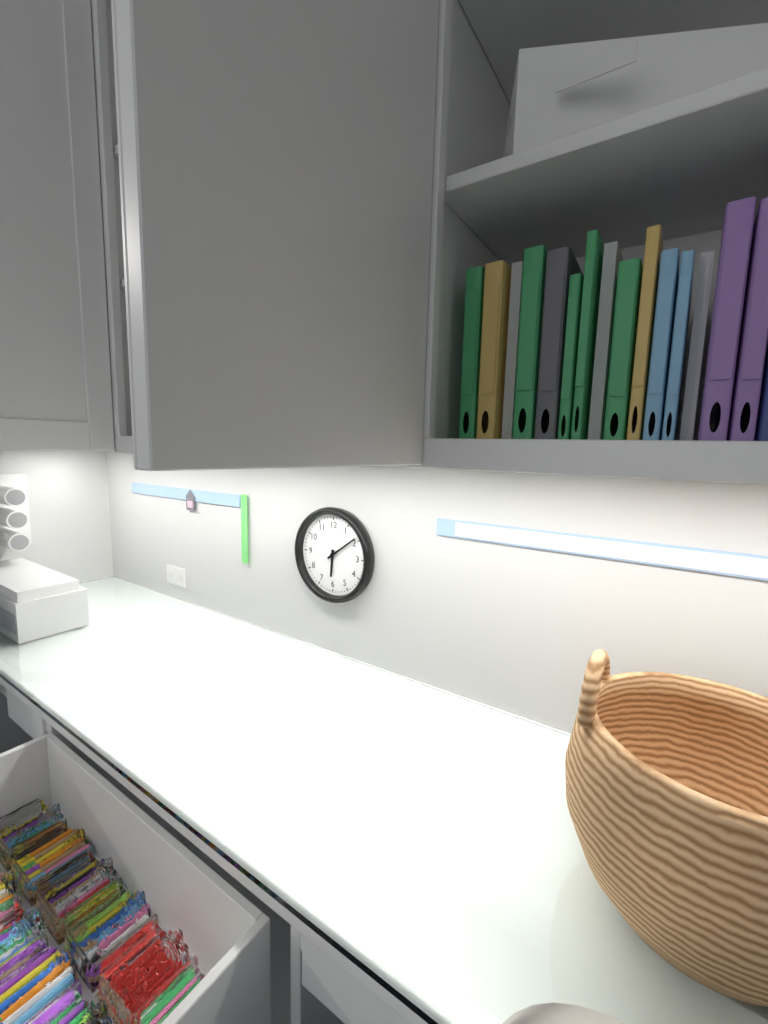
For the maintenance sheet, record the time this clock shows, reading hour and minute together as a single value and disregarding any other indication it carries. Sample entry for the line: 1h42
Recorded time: 6h09
